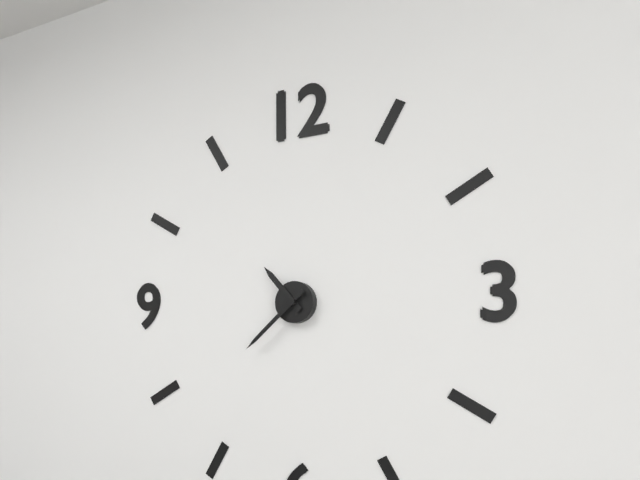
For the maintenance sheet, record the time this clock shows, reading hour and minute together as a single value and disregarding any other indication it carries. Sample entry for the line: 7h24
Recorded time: 10h38
